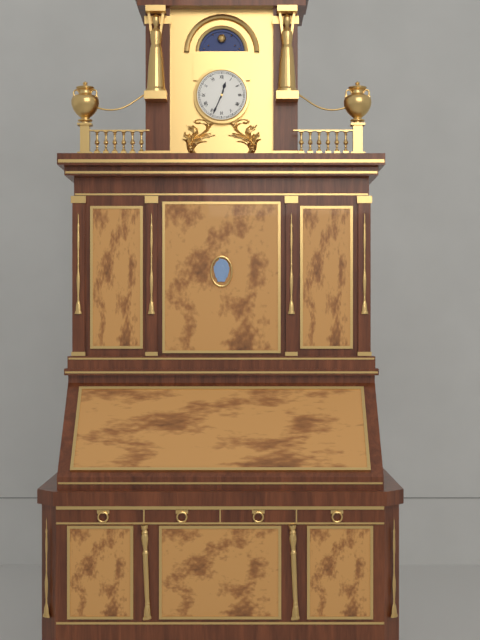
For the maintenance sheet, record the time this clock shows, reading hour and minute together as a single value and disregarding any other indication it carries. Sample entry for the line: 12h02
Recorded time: 12h34
